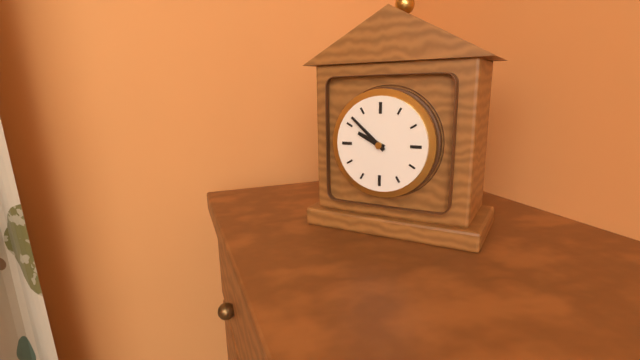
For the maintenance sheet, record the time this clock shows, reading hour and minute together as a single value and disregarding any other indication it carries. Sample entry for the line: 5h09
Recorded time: 9h52
